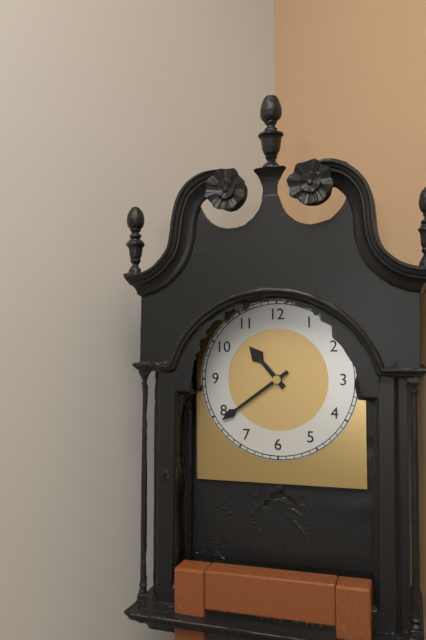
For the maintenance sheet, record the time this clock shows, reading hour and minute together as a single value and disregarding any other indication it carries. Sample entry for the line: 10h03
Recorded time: 10h39
